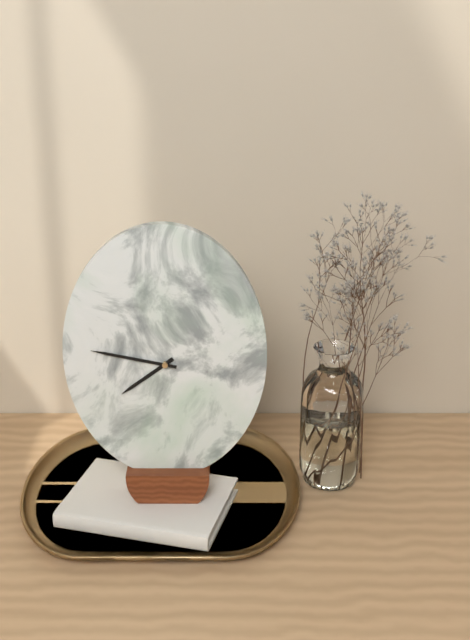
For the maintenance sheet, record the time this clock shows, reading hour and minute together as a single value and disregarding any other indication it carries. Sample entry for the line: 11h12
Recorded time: 7h47
